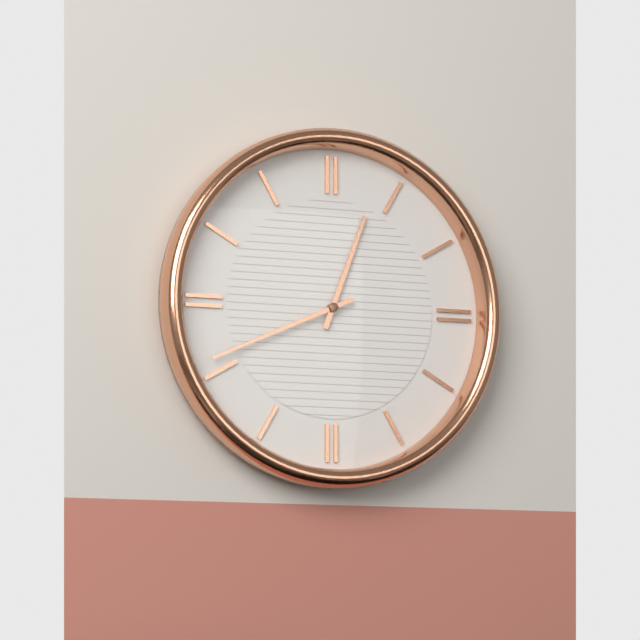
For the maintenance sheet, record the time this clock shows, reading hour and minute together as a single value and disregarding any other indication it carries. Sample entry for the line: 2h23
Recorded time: 12h41
